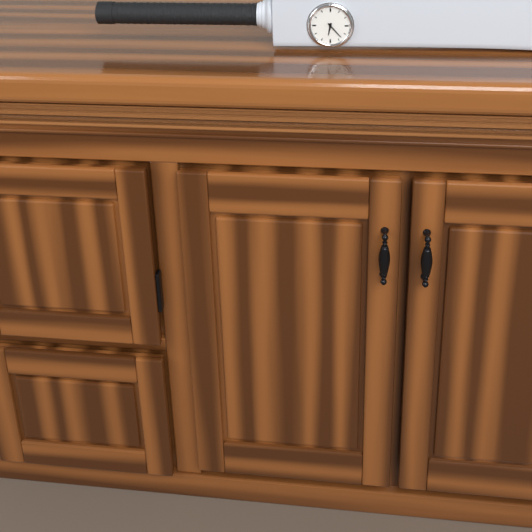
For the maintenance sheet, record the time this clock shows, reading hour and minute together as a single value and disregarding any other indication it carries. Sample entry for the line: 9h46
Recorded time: 6h23
